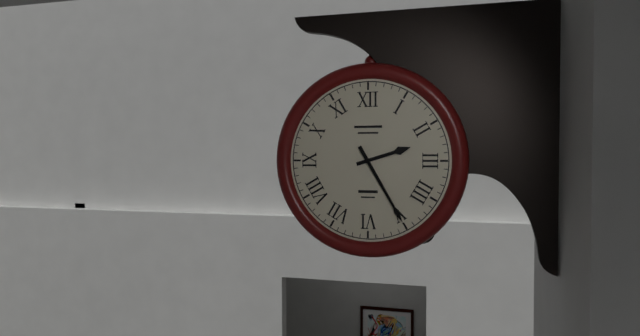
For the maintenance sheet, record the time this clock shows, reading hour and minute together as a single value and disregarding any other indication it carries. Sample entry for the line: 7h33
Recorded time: 2h25
